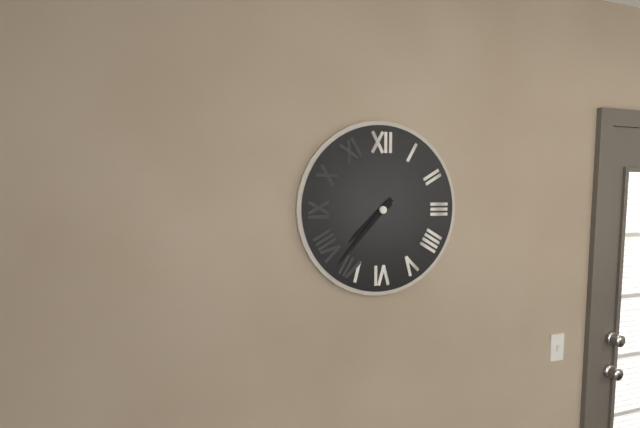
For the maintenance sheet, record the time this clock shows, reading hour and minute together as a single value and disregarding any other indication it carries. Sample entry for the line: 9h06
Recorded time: 7h37
